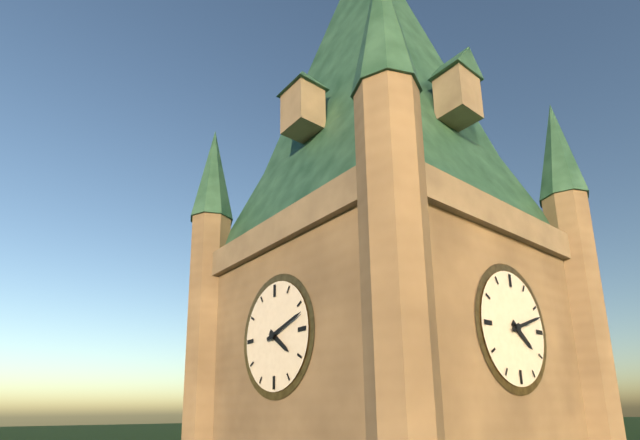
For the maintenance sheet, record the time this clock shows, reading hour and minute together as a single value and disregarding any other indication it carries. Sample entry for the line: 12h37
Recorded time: 4h12
